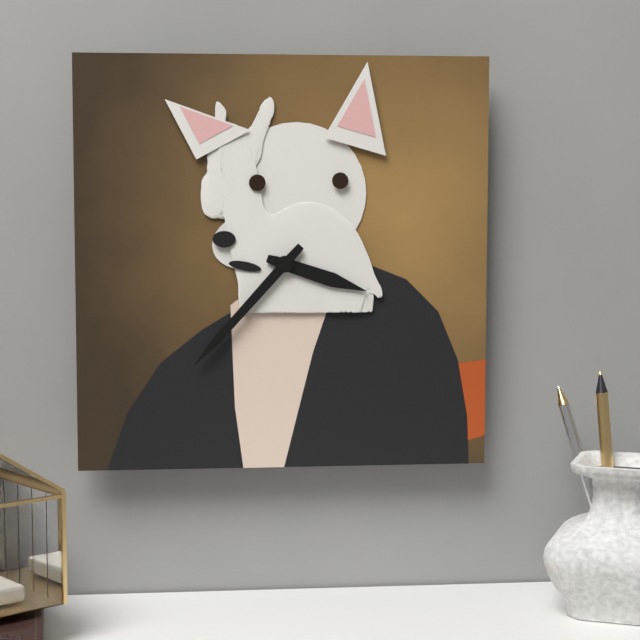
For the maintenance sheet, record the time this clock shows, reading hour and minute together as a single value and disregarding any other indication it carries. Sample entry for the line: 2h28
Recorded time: 3h37
